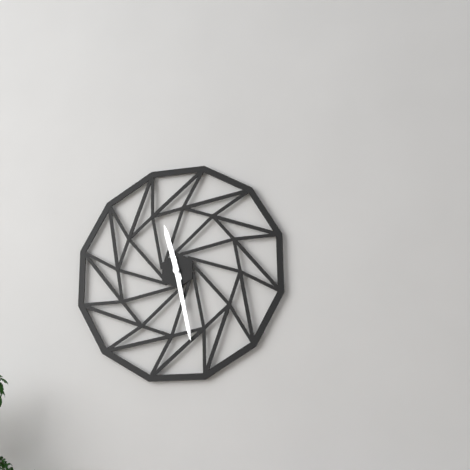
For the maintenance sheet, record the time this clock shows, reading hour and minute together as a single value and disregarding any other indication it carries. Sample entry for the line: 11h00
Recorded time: 11h28
